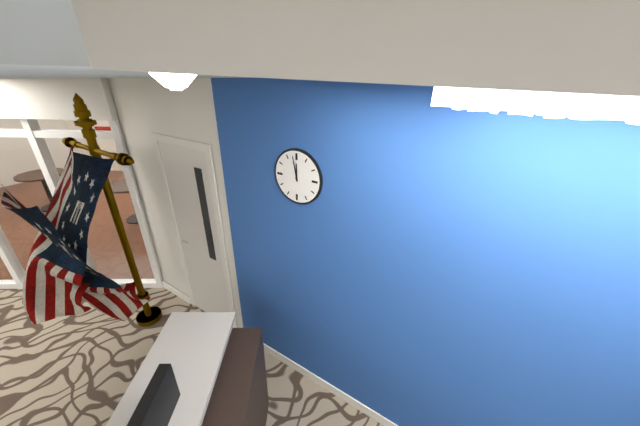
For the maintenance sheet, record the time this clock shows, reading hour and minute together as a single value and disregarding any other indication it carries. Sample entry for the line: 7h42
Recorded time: 11h58
